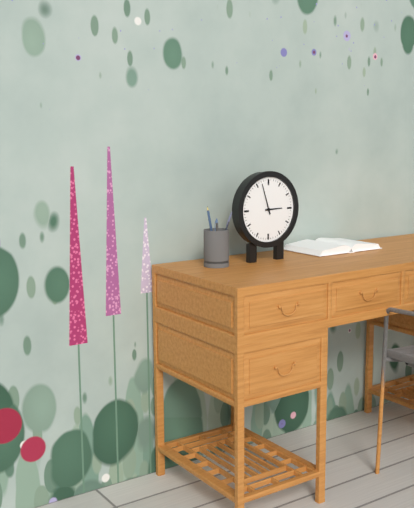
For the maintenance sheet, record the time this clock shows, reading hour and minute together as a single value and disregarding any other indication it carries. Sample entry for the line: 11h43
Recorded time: 2h57
